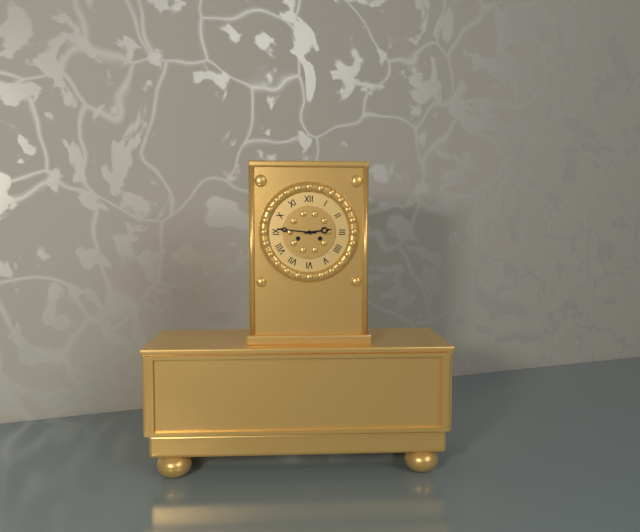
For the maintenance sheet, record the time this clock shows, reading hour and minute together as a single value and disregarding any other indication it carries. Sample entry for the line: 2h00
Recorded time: 2h46
